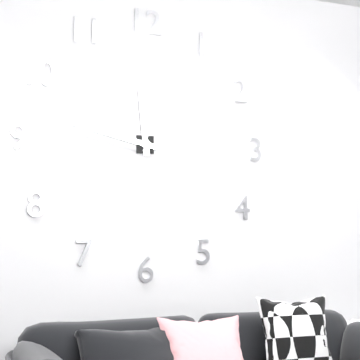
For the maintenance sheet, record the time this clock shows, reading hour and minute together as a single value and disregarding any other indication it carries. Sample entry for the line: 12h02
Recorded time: 11h47
